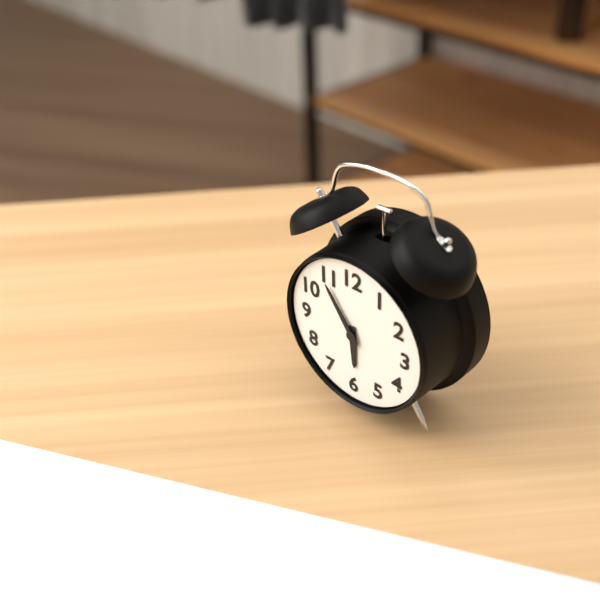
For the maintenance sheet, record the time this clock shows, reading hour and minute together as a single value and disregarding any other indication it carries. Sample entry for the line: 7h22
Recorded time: 5h54
